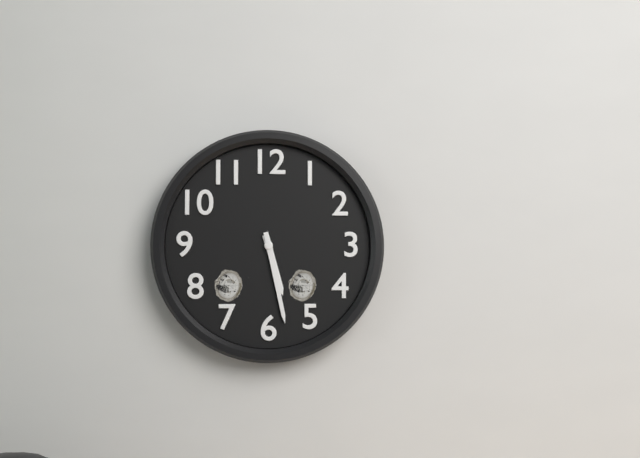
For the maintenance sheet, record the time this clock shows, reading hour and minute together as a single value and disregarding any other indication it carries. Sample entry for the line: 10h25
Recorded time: 5h28
